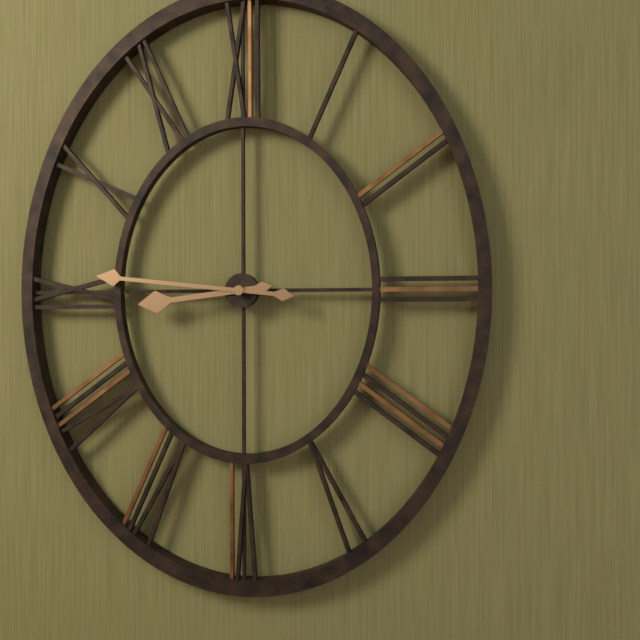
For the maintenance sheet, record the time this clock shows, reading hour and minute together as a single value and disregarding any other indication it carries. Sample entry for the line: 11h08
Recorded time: 8h46
